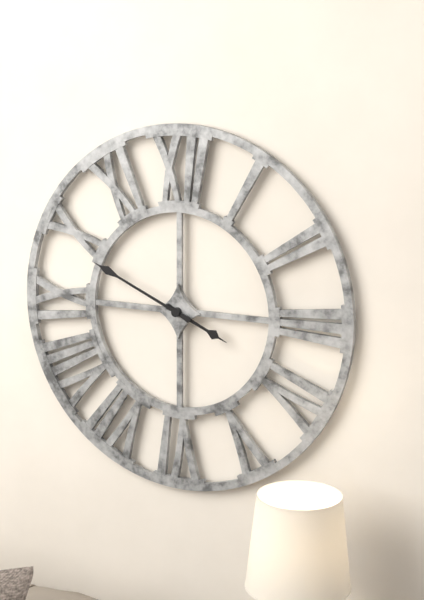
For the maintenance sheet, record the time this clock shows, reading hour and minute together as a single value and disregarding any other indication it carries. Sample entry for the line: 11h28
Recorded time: 3h49
